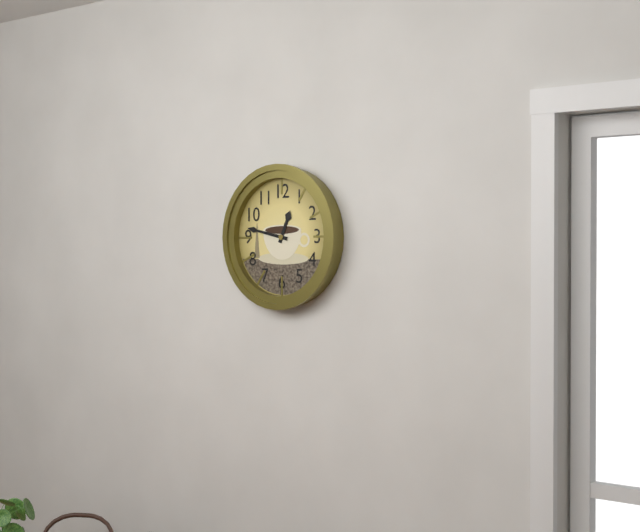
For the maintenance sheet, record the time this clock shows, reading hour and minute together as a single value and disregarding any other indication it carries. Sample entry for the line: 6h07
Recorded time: 12h47
